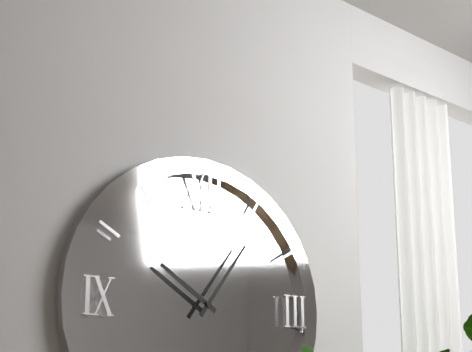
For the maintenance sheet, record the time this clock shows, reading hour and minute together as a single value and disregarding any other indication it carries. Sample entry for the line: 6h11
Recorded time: 10h06
